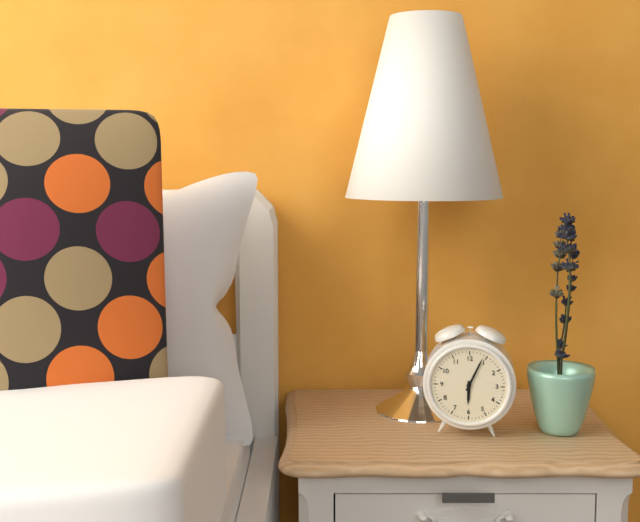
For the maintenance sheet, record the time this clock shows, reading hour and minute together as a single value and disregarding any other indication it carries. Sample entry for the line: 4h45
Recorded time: 6h04
